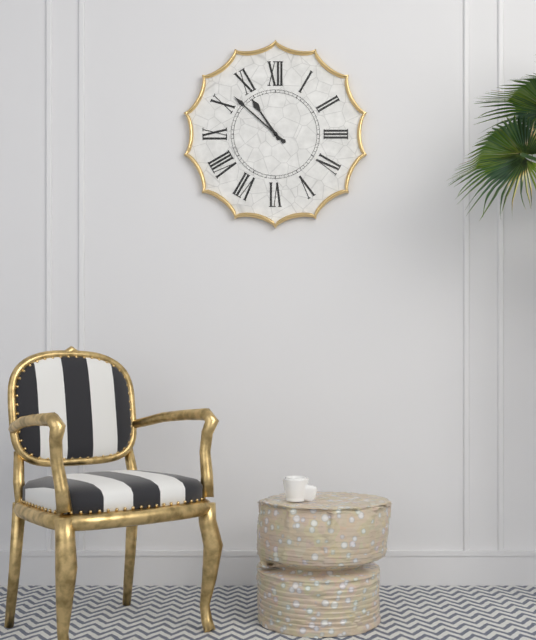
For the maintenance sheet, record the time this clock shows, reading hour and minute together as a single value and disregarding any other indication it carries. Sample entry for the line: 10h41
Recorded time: 10h52
